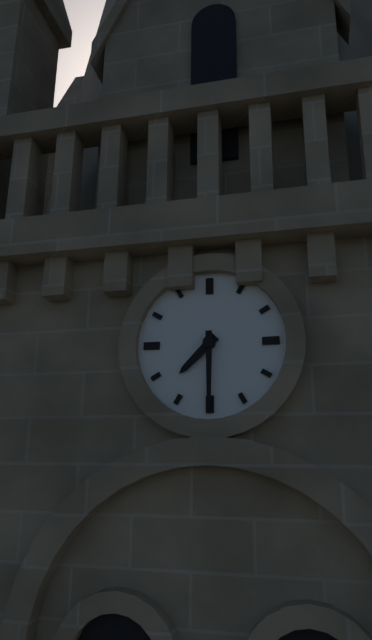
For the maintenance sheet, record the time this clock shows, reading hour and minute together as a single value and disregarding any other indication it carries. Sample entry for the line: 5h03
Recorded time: 7h30
